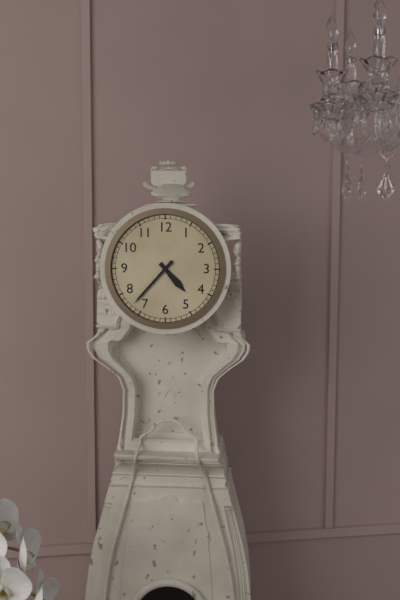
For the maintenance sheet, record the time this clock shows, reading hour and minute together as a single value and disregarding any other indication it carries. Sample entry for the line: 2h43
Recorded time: 4h37
